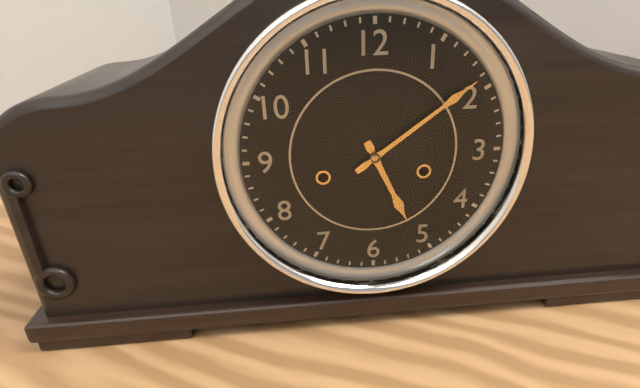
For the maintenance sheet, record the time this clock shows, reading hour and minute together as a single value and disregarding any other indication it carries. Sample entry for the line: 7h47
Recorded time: 5h09
